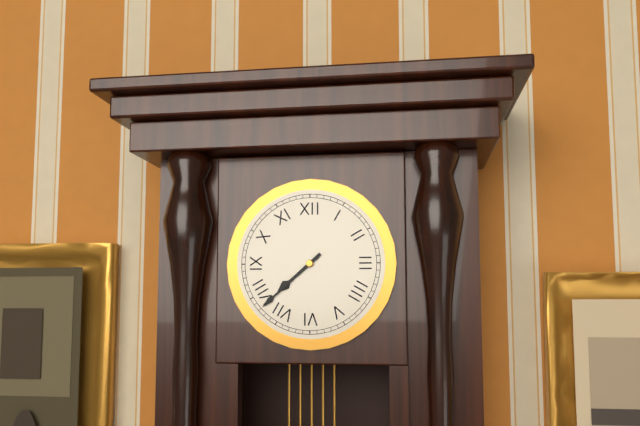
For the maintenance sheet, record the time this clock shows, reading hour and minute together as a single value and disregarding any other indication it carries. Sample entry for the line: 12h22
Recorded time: 7h38
